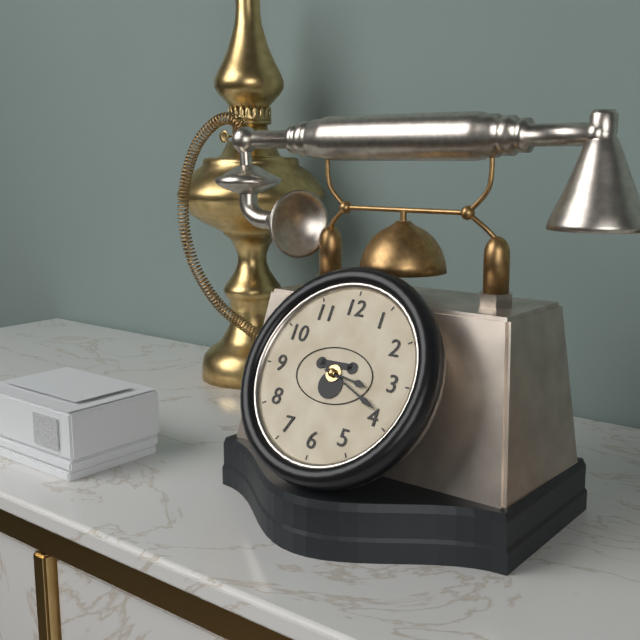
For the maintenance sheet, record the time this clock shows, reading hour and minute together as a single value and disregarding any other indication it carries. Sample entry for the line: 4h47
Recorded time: 3h19
